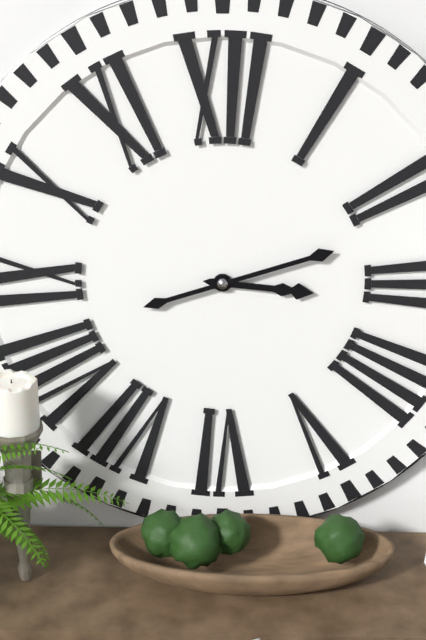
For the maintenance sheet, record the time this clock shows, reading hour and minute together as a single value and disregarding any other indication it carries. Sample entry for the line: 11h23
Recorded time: 3h12
